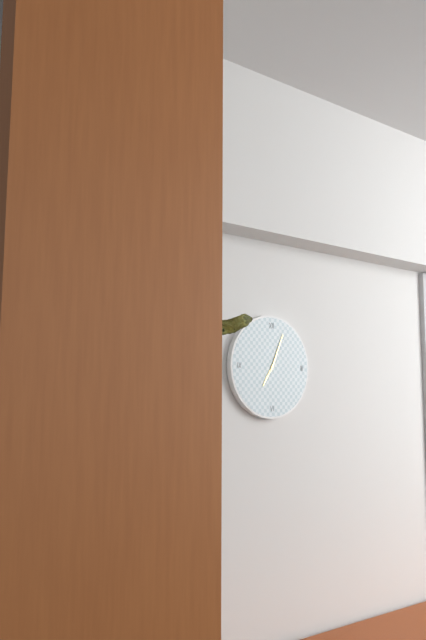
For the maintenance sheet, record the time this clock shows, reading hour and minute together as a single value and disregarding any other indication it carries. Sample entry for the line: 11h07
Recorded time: 7h04
